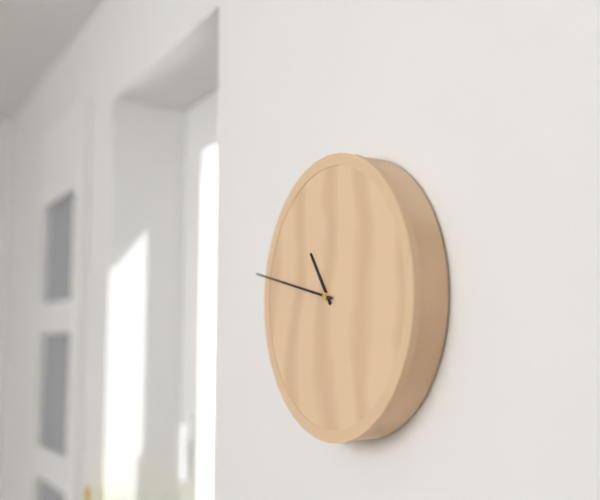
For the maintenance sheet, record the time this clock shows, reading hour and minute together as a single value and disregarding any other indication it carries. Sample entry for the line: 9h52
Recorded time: 10h47
